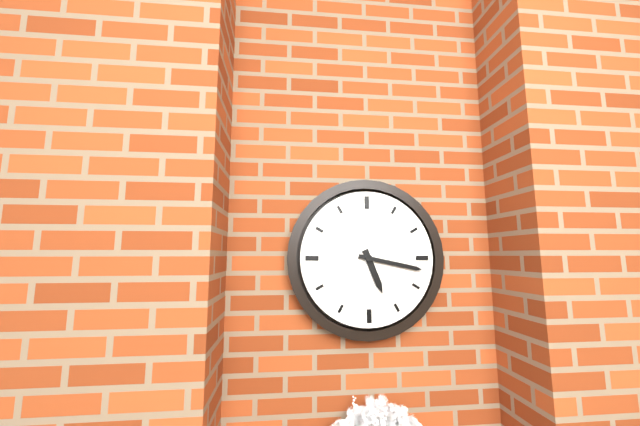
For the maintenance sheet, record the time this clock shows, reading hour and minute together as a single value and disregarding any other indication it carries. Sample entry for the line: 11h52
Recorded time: 5h17
